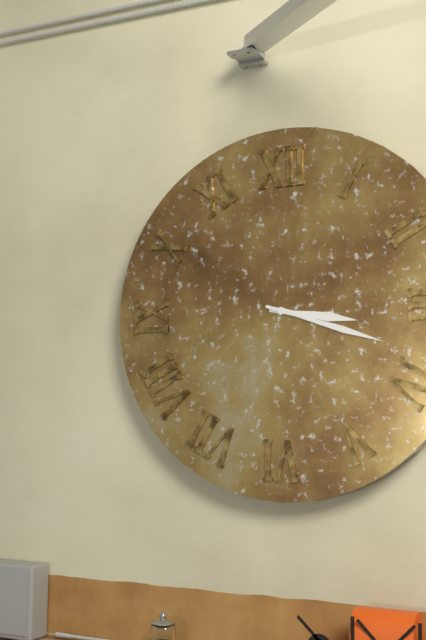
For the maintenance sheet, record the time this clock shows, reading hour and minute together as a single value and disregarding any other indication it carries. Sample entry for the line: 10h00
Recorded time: 3h18
